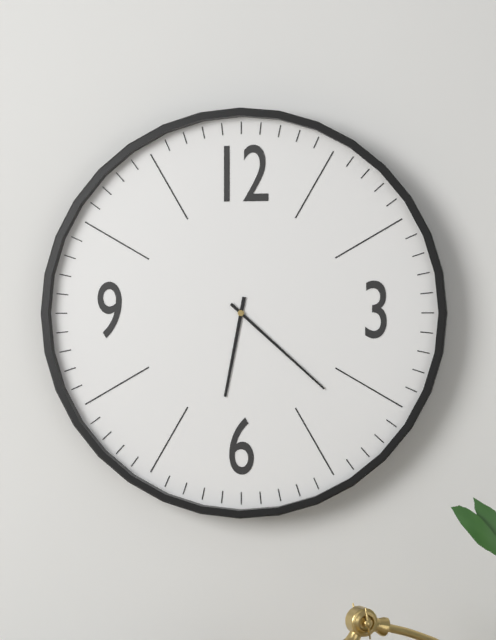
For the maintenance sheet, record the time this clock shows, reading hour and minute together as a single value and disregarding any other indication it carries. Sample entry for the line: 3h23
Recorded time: 6h22
